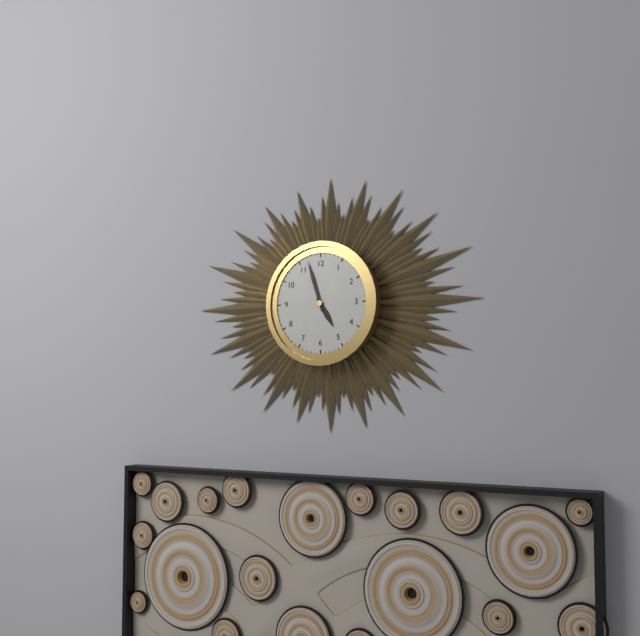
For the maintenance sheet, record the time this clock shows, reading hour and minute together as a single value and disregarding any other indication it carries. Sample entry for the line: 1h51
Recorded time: 4h57
